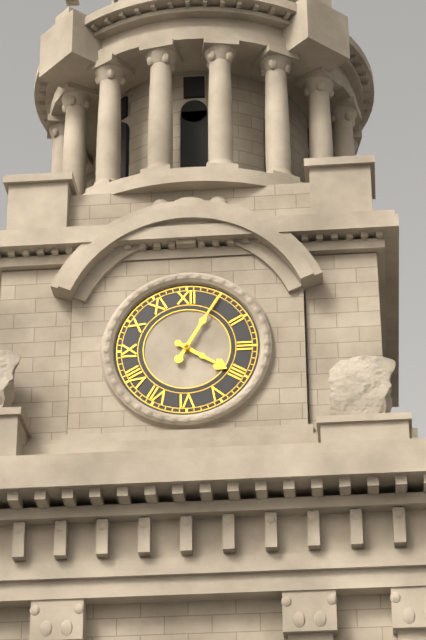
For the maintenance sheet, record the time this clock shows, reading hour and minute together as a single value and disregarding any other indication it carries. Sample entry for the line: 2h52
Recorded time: 4h05
